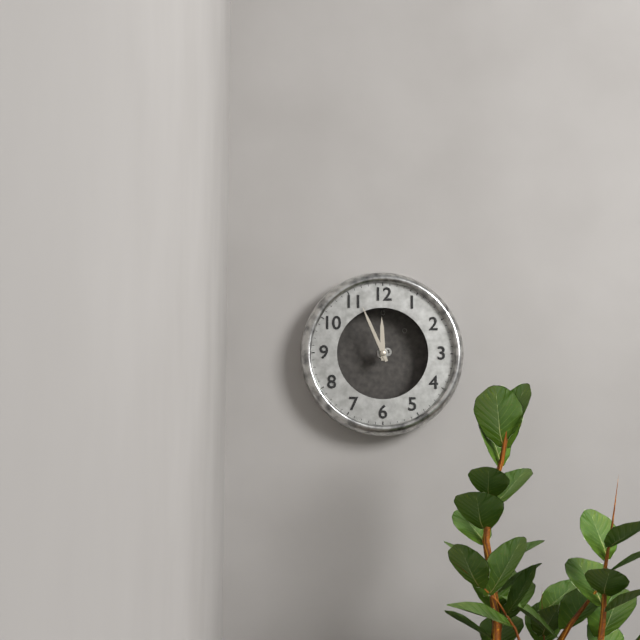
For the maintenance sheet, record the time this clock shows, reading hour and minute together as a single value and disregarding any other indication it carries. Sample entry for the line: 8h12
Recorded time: 11h56
